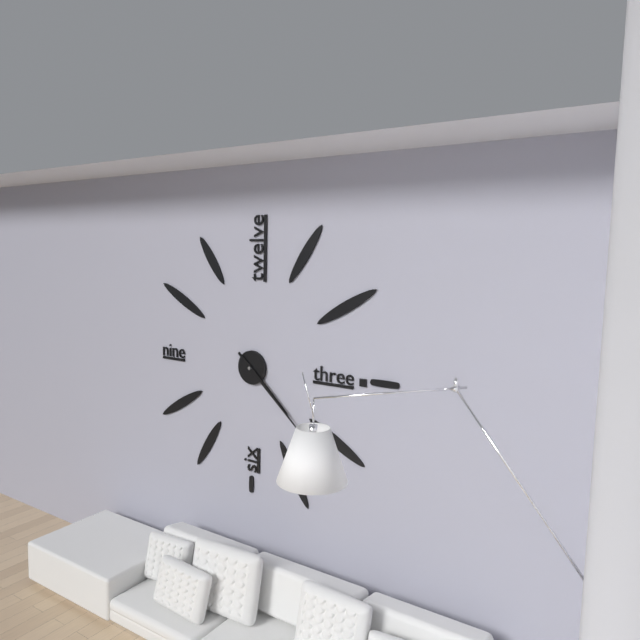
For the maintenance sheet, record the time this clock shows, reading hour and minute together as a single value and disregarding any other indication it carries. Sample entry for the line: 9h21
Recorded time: 4h22
